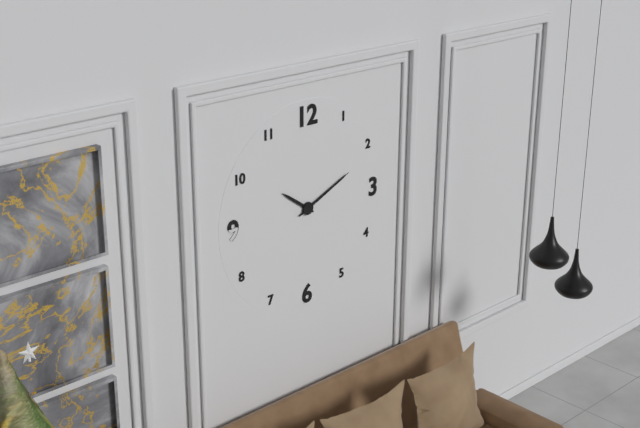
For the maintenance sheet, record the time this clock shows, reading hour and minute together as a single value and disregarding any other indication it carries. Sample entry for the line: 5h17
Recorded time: 10h11
